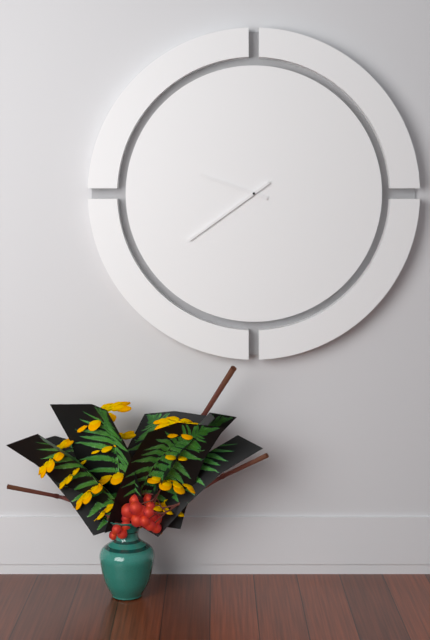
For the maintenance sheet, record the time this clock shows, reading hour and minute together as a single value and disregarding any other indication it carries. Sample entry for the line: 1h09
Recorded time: 9h39
